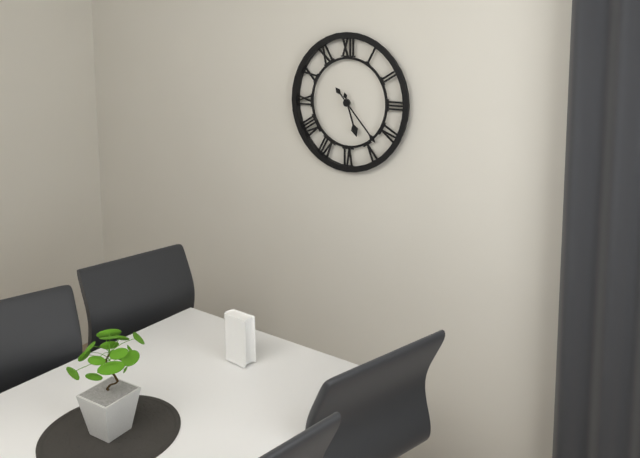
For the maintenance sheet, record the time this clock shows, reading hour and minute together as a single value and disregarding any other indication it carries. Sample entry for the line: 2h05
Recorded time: 5h23
